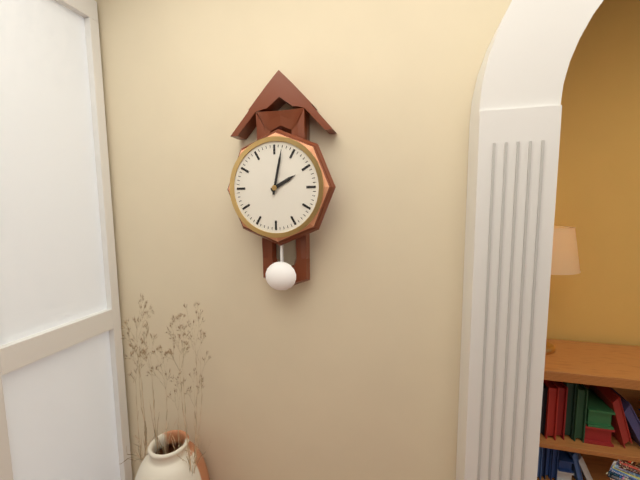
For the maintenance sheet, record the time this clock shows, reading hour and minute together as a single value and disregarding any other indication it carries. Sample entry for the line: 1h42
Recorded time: 2h02
